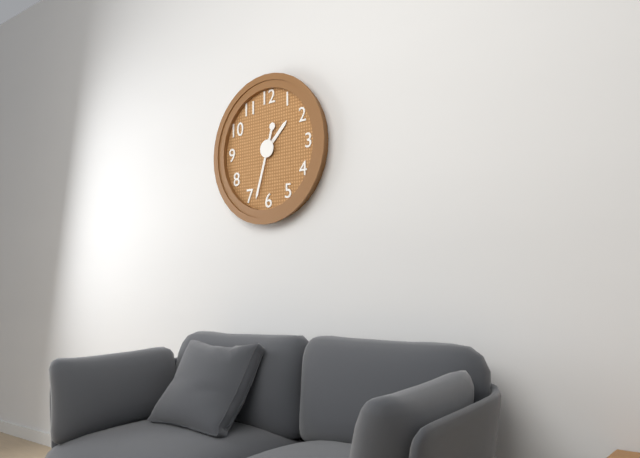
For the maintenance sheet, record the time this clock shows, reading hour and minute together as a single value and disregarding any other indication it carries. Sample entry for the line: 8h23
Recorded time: 1h33
